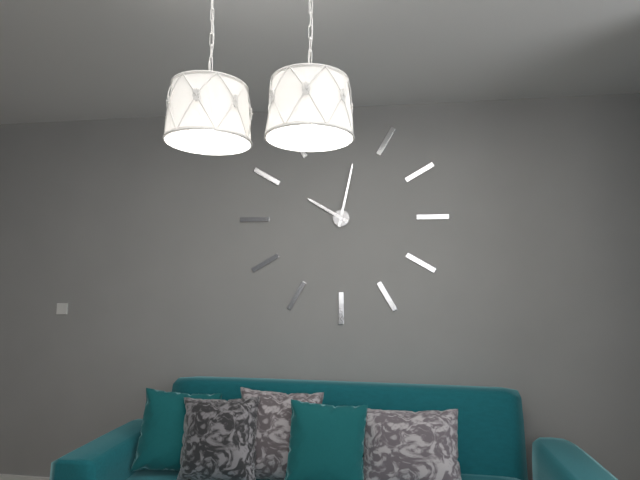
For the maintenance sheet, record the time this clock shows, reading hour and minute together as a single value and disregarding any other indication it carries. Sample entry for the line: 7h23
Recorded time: 10h02
